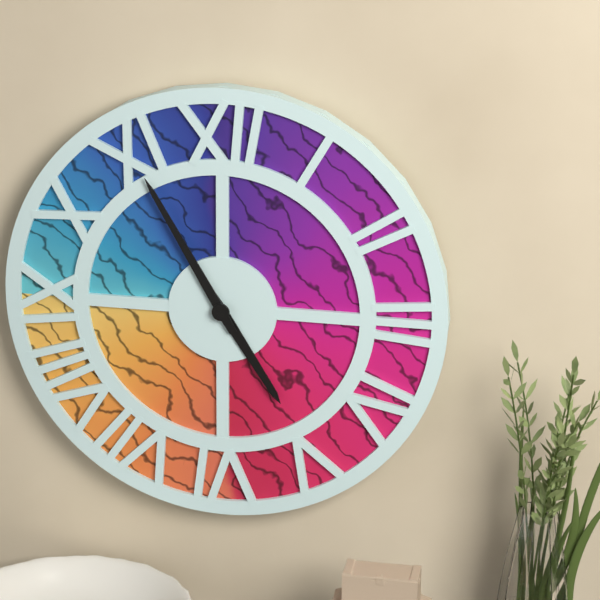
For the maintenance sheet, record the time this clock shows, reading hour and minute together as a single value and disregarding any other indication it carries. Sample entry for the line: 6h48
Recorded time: 4h55
